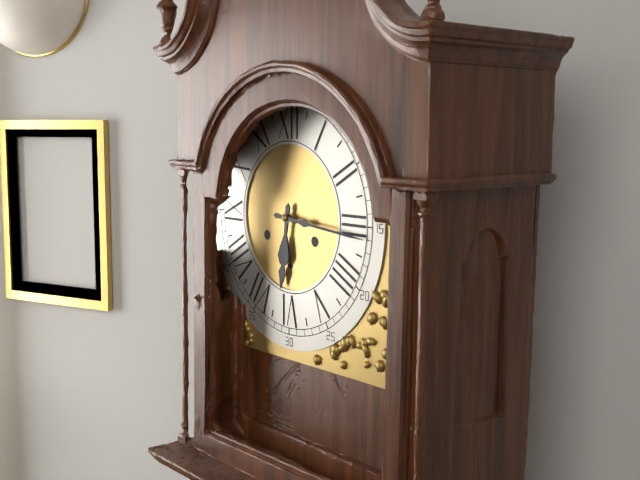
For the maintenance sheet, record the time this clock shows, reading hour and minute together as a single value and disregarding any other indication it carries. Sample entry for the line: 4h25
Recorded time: 6h16
